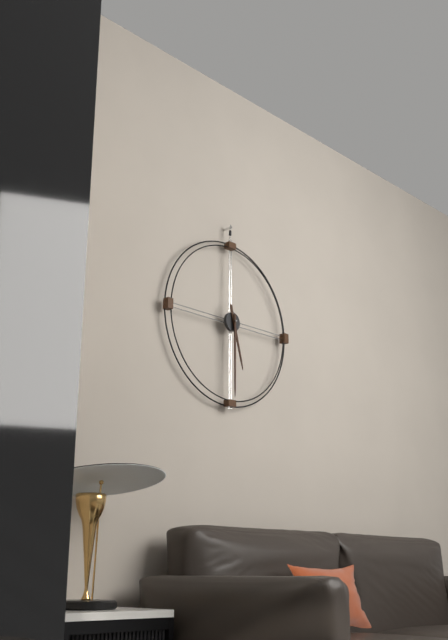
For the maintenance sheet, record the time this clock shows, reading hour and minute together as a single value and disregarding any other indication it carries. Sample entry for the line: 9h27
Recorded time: 5h30
